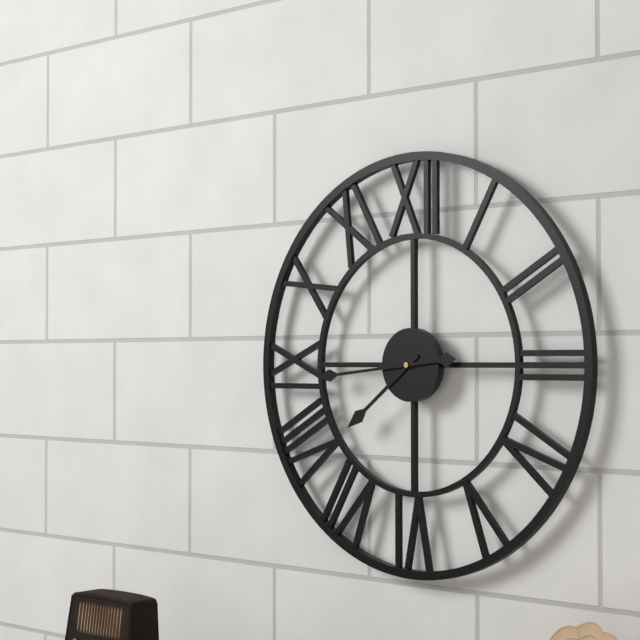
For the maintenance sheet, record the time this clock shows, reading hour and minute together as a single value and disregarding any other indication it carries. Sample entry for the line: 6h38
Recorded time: 7h44
